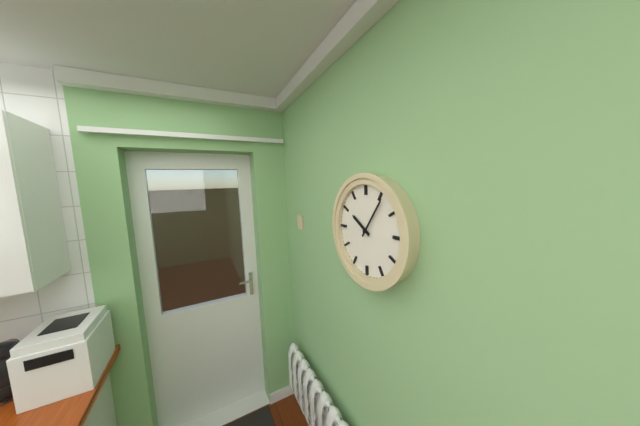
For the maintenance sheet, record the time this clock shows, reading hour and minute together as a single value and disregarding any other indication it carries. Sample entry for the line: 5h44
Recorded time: 10h06
